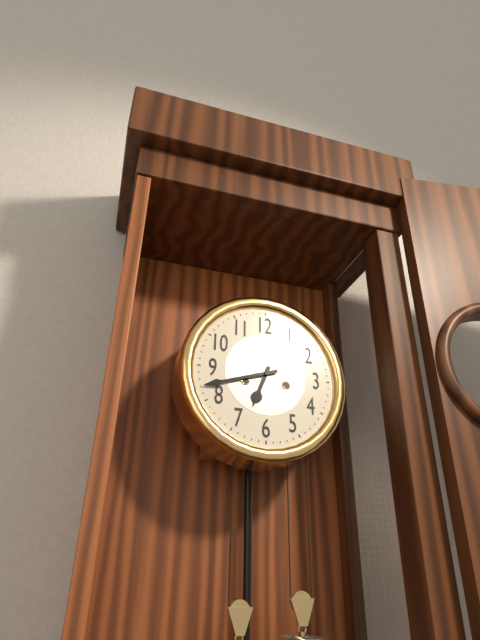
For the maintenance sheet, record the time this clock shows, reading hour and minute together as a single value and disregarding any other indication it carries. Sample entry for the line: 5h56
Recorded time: 6h42
